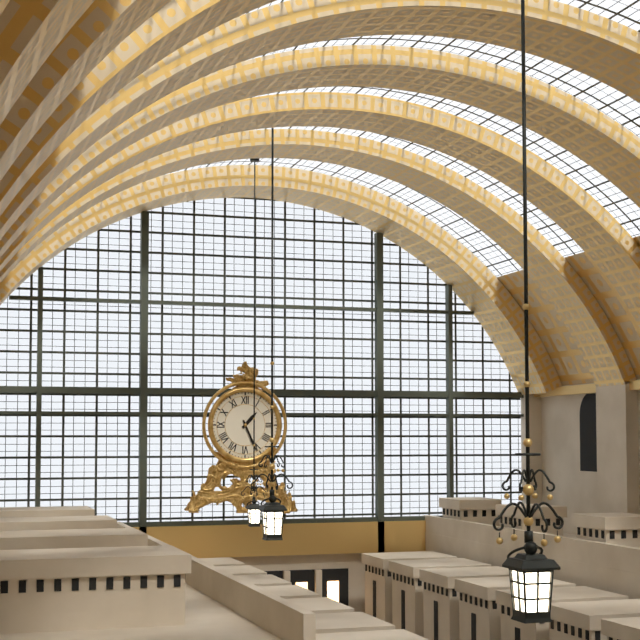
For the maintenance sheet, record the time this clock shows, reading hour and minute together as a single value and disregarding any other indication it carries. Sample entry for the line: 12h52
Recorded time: 1h26
